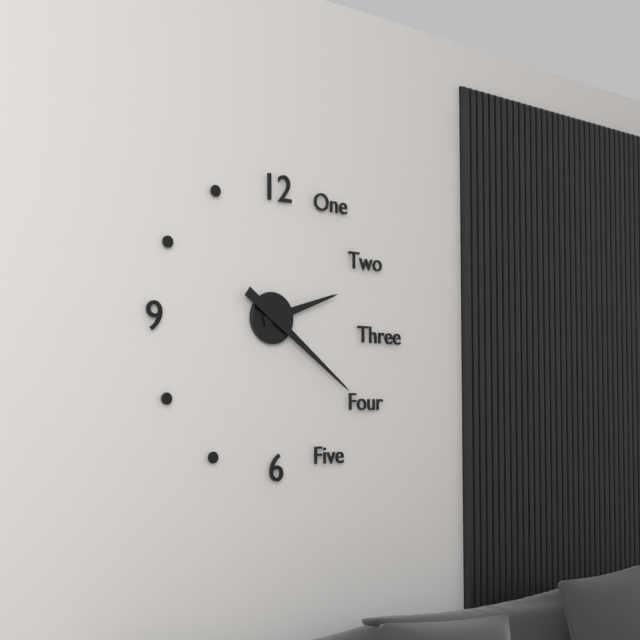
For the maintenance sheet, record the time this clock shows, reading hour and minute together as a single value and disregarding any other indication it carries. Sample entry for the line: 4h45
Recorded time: 2h21
